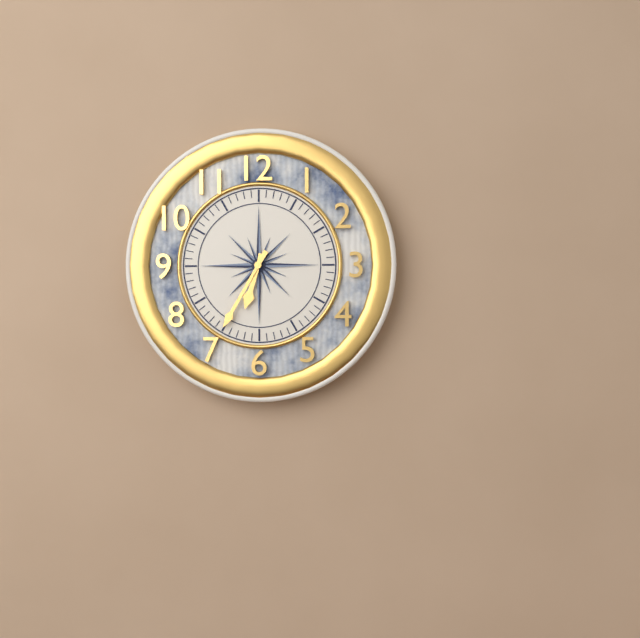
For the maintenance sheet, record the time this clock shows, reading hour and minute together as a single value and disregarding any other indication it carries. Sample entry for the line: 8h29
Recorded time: 6h35
